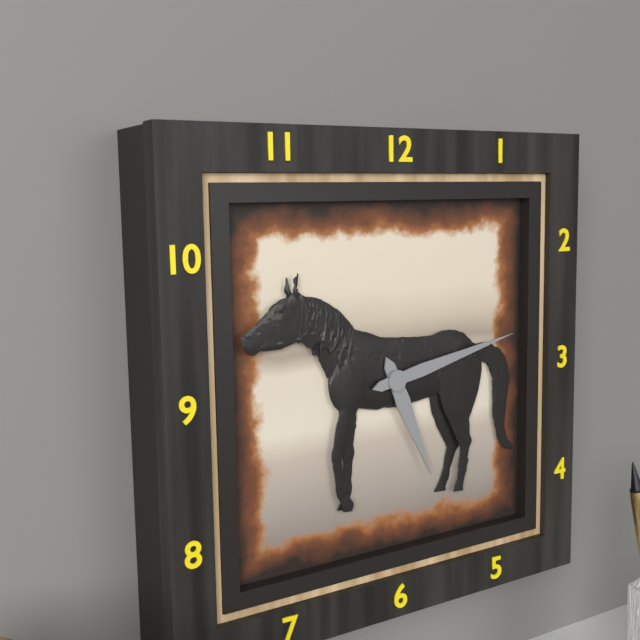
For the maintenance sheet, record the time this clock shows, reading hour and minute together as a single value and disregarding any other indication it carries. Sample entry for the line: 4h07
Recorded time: 5h13
